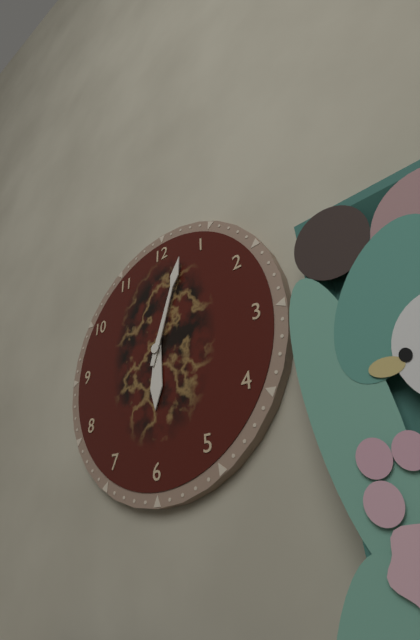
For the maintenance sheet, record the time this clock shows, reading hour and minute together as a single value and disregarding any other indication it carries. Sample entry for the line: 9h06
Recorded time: 6h03
